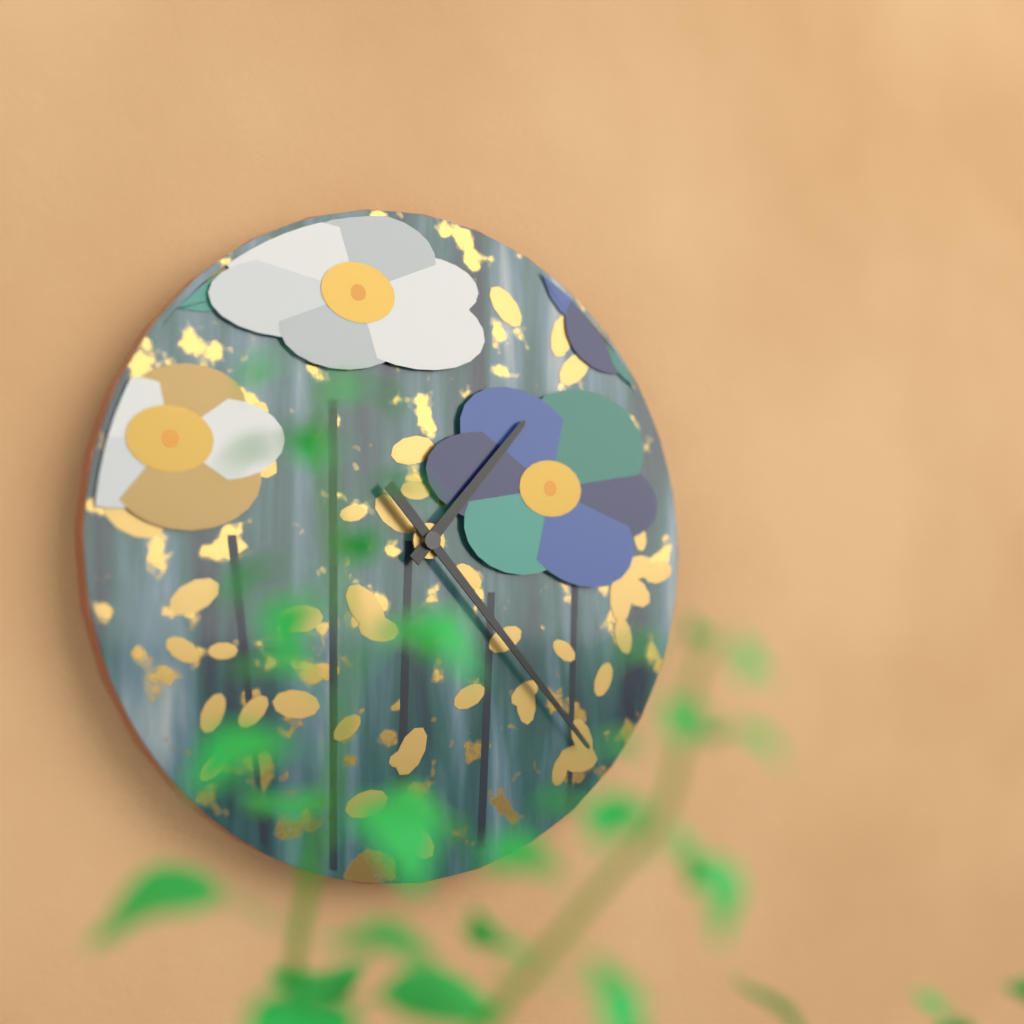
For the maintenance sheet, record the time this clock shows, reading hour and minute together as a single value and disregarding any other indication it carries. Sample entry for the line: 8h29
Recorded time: 1h23
